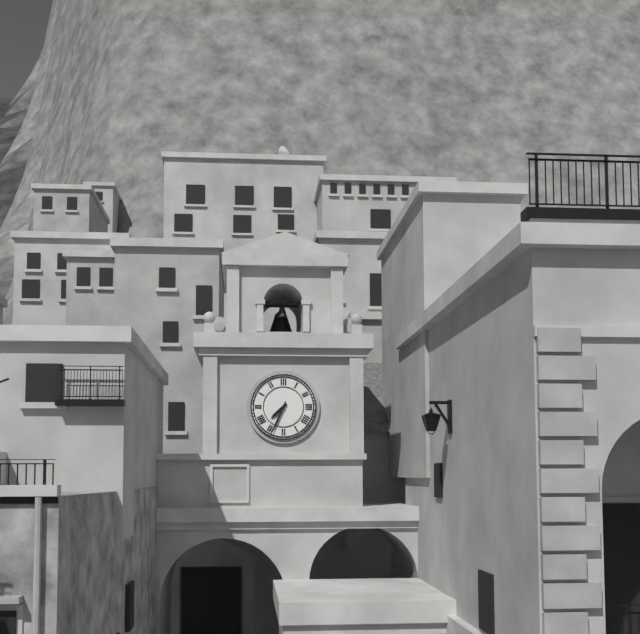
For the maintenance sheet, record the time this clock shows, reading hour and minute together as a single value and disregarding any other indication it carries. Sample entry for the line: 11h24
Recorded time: 7h34
